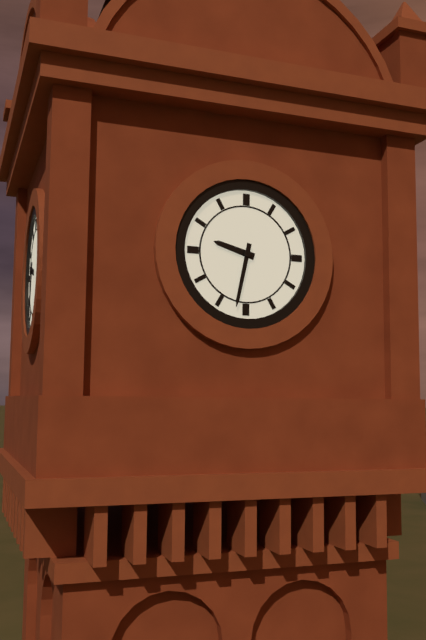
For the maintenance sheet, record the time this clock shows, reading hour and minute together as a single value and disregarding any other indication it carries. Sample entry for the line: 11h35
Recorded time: 9h32
